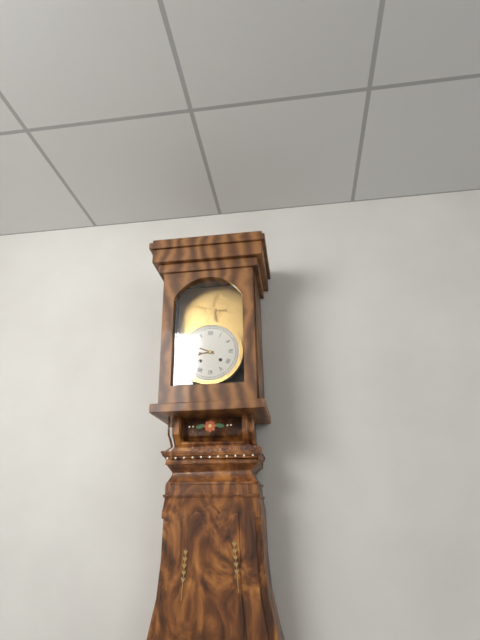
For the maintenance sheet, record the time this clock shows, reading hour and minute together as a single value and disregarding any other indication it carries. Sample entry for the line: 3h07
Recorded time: 8h49
